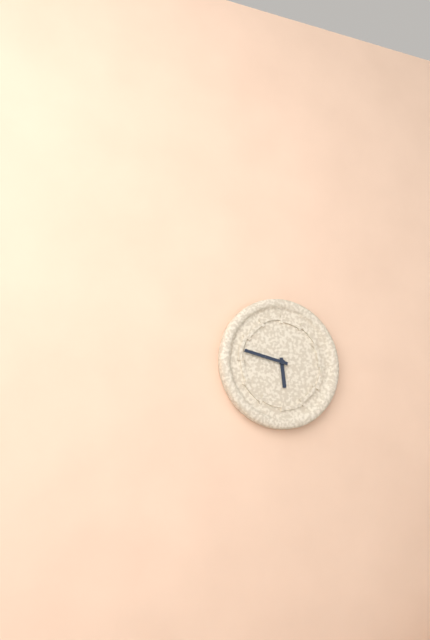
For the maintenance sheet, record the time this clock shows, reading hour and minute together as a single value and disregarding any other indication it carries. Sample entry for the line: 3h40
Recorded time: 5h47
